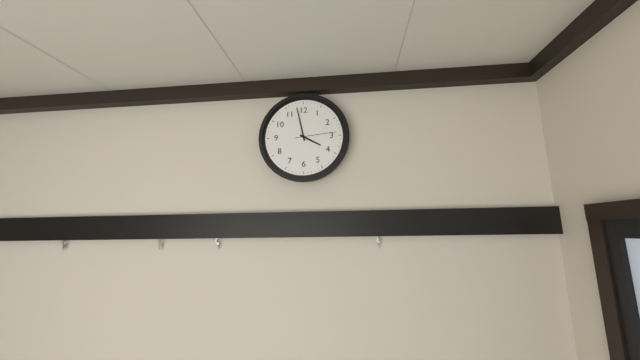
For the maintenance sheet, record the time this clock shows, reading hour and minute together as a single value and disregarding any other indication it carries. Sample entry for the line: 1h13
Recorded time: 3h58
